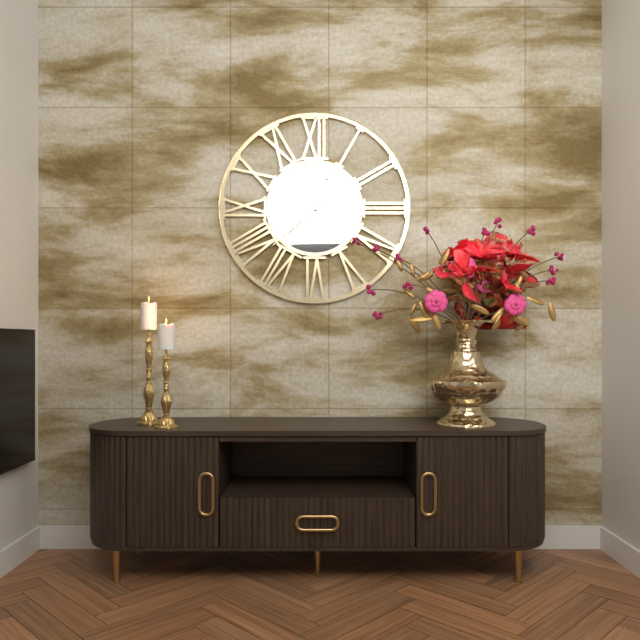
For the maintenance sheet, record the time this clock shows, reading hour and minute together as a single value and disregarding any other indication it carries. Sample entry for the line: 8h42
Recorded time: 12h38
